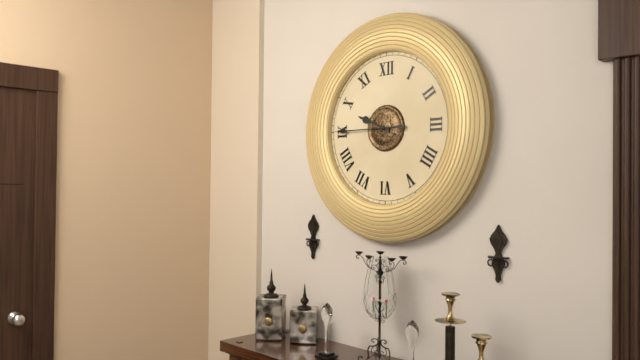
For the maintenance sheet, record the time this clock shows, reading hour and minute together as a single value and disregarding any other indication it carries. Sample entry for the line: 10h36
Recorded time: 9h45
